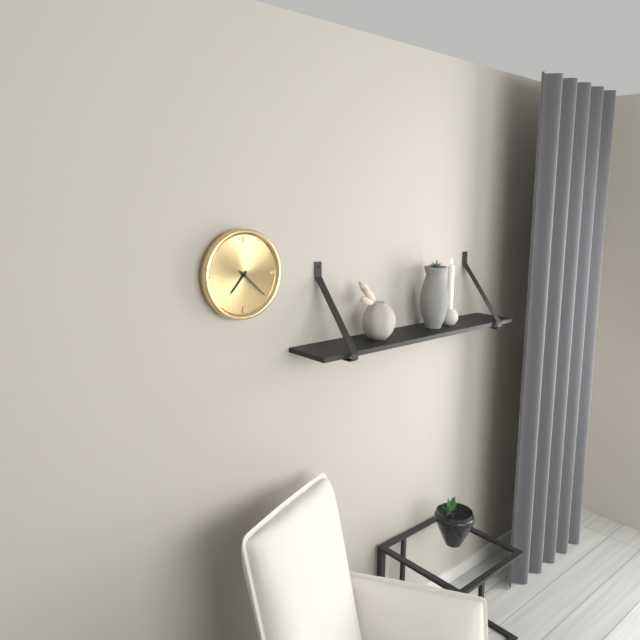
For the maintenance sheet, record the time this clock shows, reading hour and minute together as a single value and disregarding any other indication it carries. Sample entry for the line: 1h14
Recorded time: 7h22
